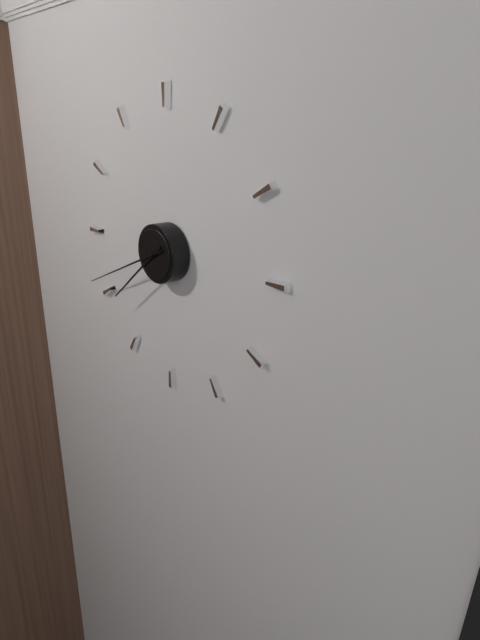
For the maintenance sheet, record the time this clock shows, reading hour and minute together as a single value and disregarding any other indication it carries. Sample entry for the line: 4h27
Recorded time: 7h41
